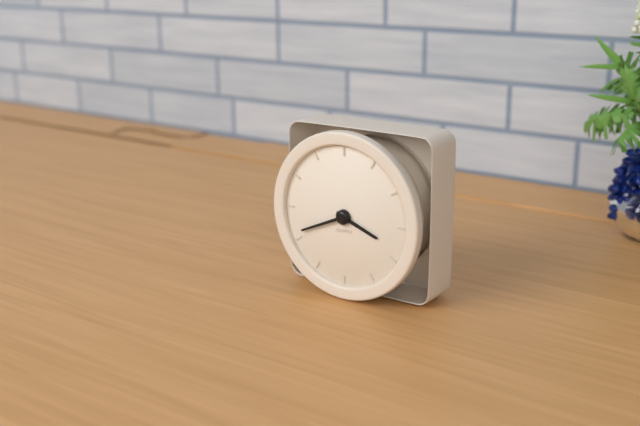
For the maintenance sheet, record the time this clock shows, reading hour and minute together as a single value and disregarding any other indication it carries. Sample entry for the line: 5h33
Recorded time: 3h41
